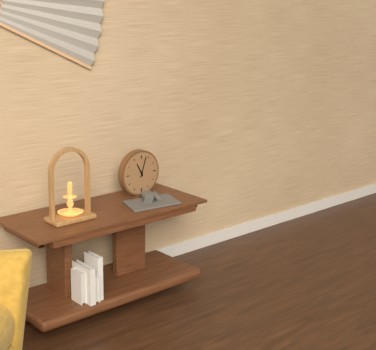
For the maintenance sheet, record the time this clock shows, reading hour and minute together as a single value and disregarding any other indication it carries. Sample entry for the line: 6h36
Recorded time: 11h03
